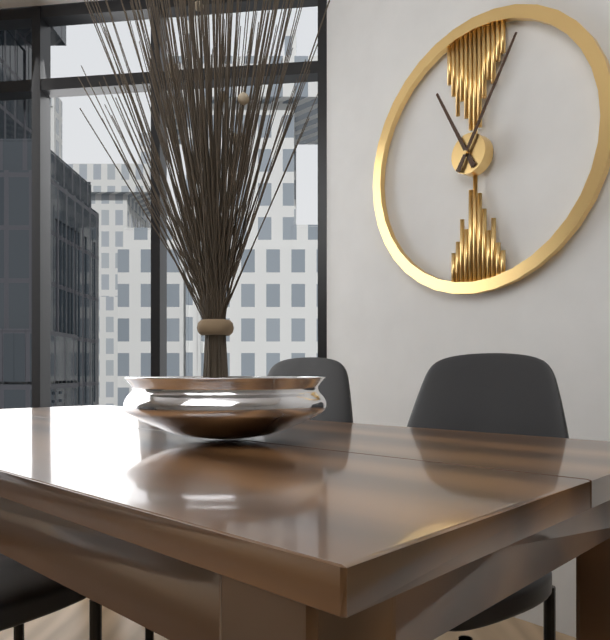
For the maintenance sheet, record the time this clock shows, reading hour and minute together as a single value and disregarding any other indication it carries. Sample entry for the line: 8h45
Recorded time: 11h05
